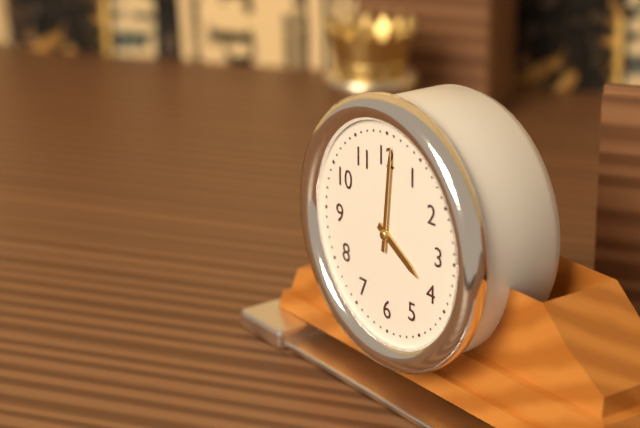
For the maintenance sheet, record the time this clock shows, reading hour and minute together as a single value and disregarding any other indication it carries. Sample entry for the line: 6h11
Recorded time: 4h01
